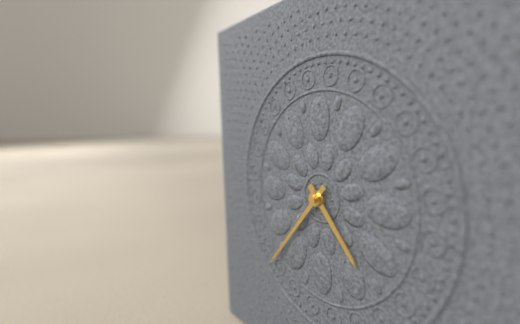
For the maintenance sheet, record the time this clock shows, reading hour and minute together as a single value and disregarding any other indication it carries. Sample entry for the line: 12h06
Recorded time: 4h37
